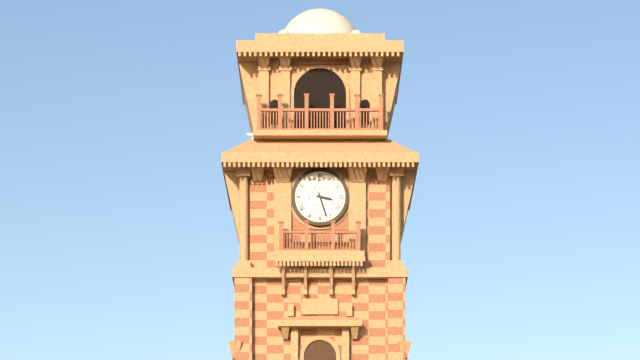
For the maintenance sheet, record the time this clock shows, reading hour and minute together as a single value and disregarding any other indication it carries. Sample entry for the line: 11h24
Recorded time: 3h27
